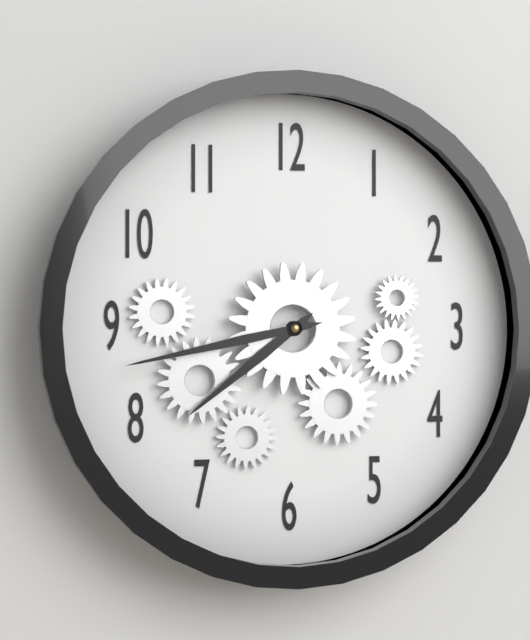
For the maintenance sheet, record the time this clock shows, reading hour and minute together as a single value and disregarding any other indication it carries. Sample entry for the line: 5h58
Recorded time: 7h43
